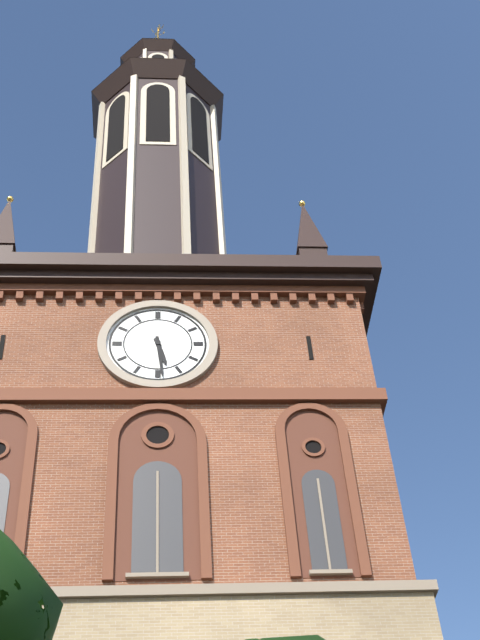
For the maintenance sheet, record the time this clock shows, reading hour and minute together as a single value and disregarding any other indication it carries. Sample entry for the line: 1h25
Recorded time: 5h29
